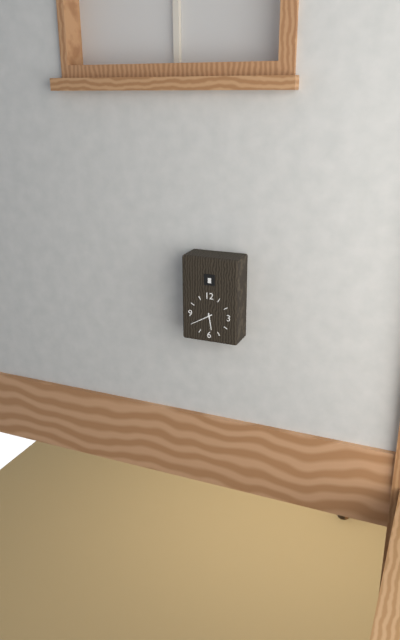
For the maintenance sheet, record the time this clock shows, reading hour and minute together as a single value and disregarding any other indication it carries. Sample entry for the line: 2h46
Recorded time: 5h40
